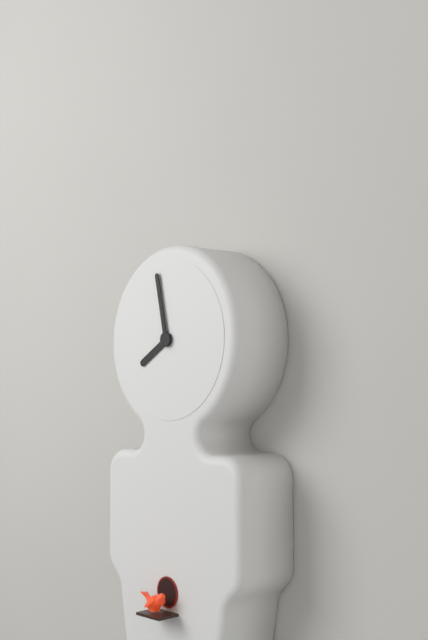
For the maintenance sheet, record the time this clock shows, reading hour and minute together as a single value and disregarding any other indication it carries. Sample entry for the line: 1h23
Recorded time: 7h58
